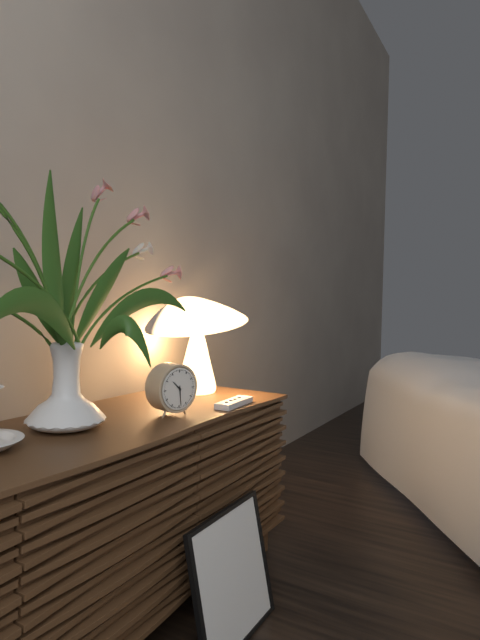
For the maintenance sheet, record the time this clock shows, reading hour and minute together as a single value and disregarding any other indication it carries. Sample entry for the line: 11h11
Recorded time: 10h29
